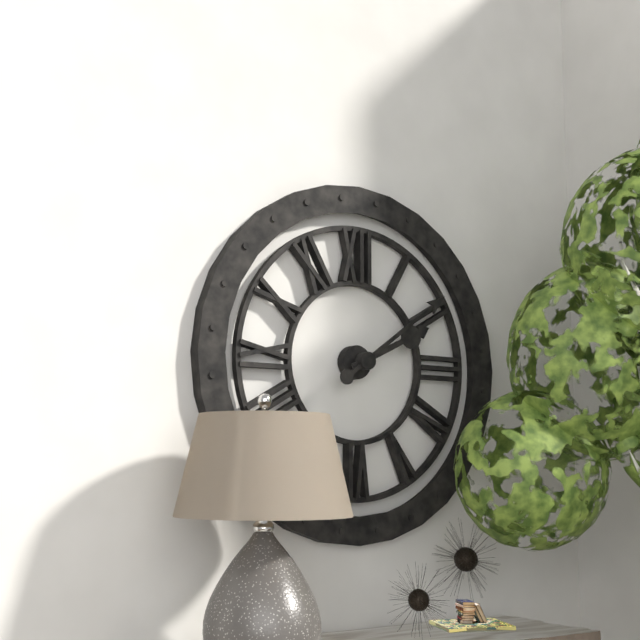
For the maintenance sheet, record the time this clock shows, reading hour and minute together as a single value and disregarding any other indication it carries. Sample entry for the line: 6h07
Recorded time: 2h09
